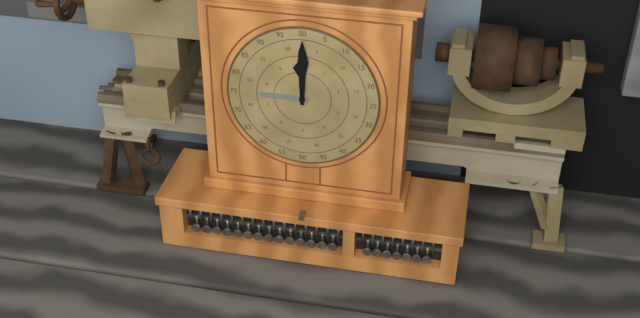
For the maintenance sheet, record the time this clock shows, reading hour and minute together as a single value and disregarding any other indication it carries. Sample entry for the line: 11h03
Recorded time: 9h00
